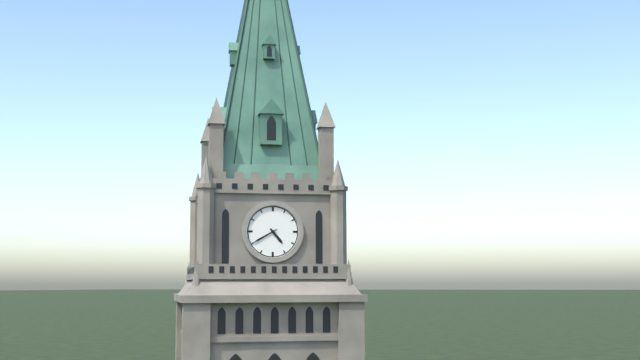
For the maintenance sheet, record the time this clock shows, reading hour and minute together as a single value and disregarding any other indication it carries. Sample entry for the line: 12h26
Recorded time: 4h40
